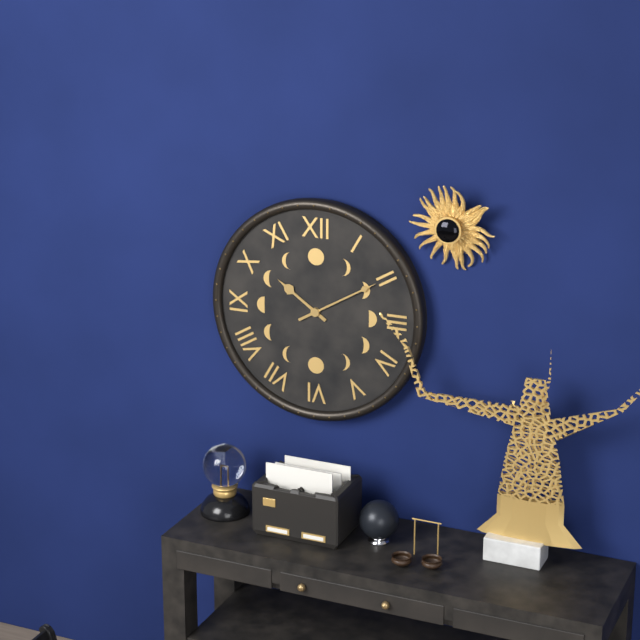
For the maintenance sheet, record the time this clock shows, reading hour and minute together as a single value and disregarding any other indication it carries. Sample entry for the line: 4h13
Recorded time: 10h10
